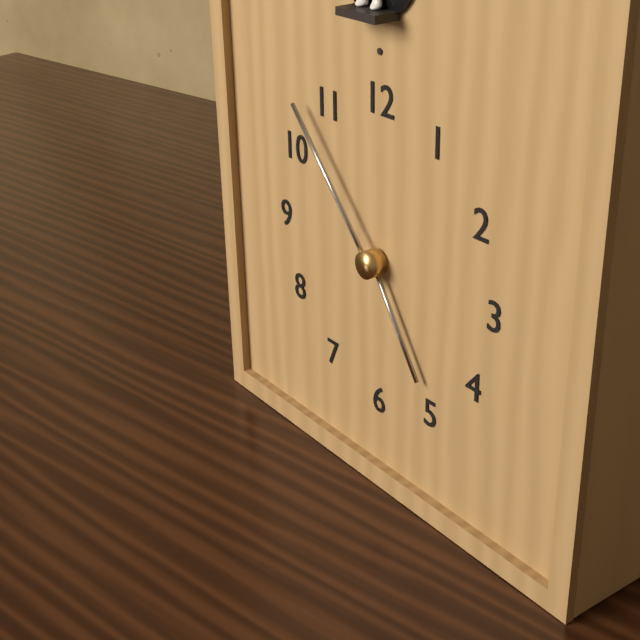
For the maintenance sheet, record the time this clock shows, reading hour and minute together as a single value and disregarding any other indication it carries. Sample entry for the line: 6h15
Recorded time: 4h53
